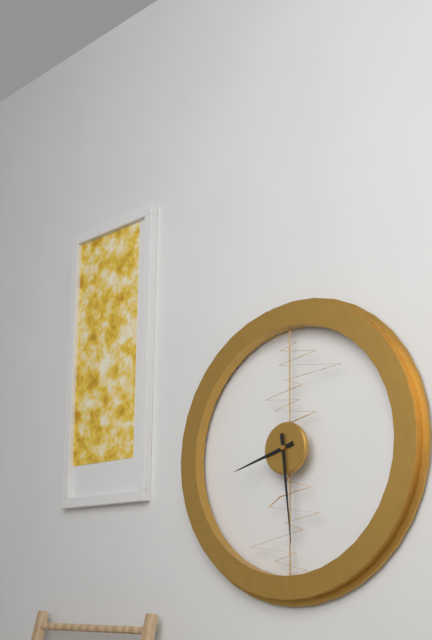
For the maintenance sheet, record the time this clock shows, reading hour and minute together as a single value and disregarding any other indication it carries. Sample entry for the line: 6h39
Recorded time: 8h29
